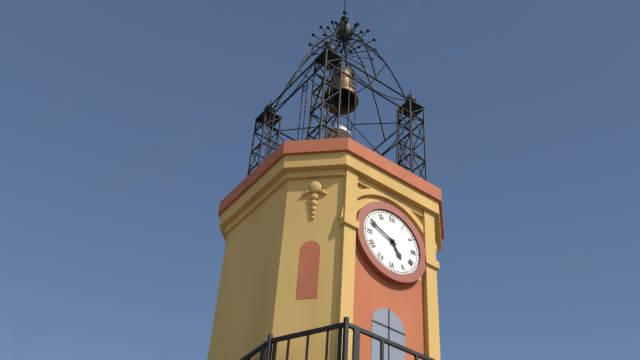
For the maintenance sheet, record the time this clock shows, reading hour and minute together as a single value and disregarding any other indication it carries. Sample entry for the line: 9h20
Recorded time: 4h49
